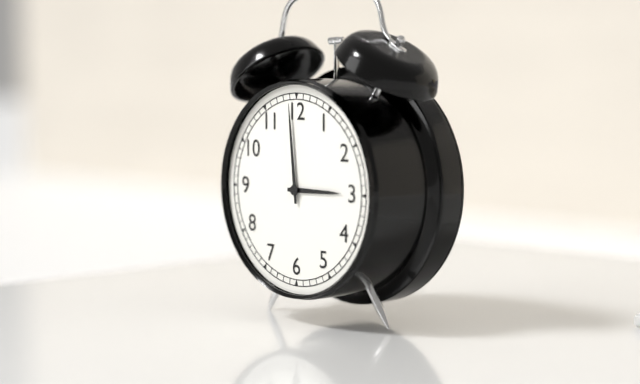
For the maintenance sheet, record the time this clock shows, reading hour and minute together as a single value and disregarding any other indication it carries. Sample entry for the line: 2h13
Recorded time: 2h59
